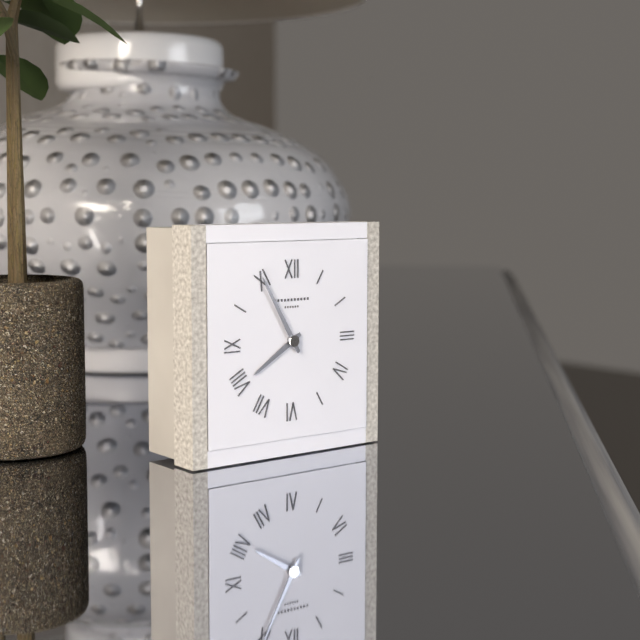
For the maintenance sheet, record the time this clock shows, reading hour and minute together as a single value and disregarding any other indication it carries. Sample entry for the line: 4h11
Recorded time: 7h55
